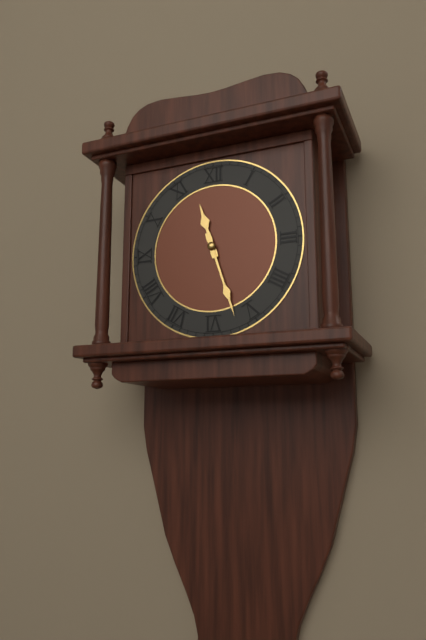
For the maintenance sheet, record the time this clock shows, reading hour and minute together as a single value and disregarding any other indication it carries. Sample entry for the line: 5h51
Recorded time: 11h27
